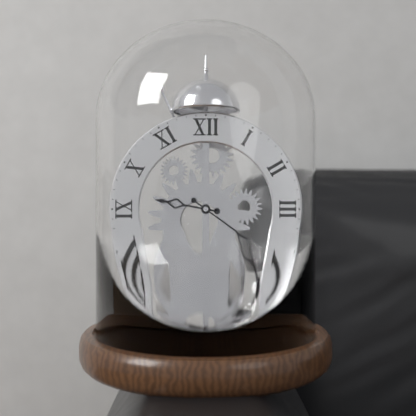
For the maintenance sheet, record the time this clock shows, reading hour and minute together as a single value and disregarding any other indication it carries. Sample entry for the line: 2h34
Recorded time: 9h21
